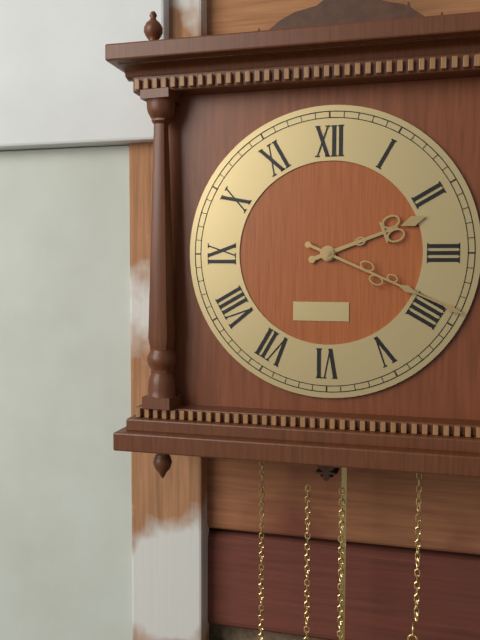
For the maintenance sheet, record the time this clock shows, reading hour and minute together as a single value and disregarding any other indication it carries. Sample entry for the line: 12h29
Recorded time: 2h19
